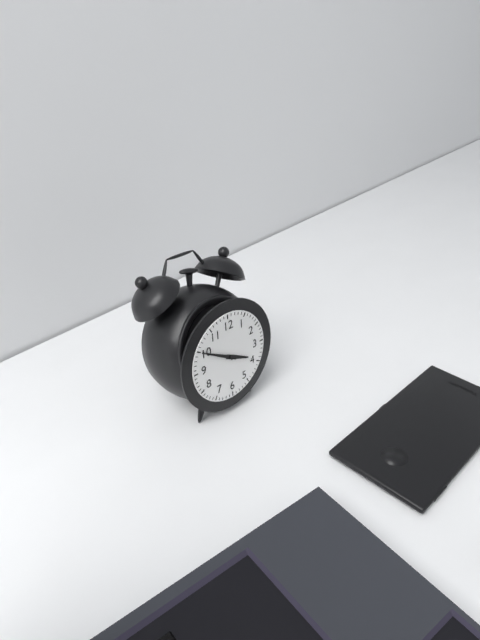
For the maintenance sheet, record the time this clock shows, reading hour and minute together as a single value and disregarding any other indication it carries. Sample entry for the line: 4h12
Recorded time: 3h50
